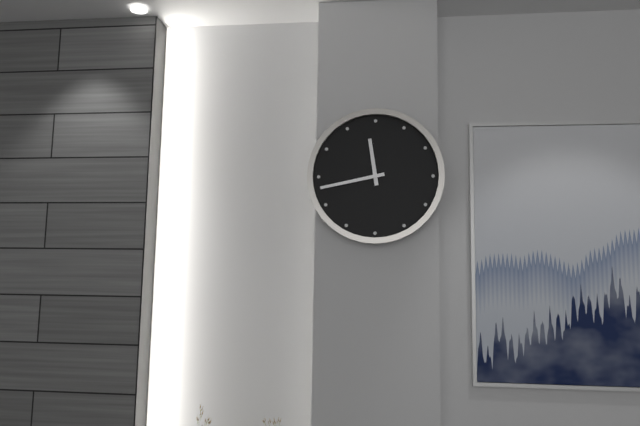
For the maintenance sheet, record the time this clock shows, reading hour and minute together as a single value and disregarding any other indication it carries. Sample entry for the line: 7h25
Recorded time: 11h43
